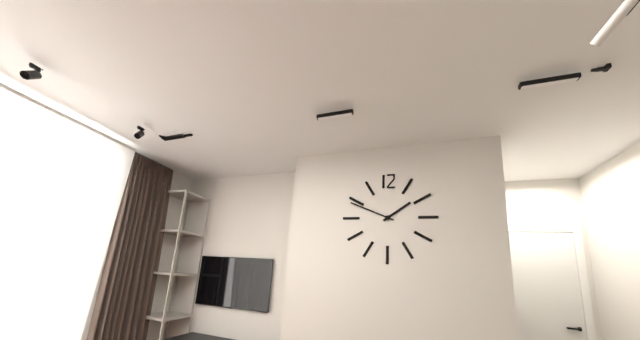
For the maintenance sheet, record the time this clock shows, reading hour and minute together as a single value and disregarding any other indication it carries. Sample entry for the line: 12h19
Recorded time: 1h49
